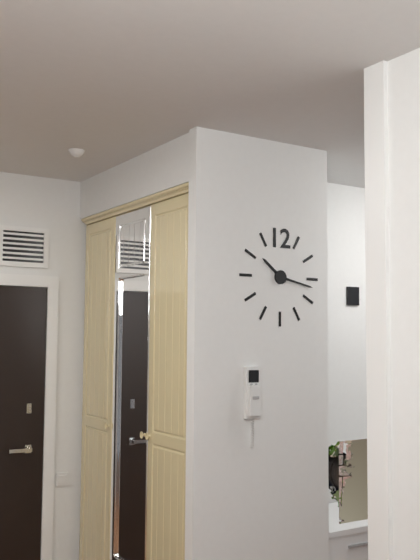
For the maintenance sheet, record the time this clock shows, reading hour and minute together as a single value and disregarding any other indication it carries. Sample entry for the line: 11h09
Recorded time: 10h17
